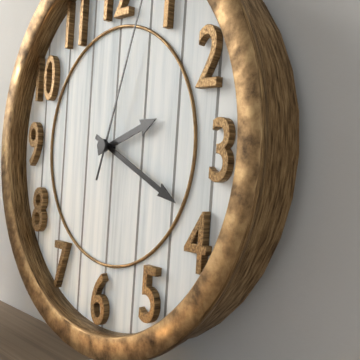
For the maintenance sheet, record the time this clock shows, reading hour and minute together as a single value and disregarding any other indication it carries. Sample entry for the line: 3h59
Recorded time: 2h19
